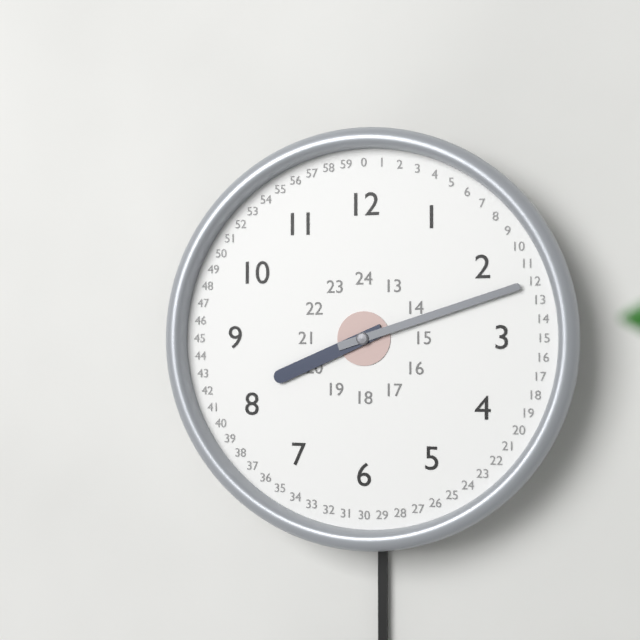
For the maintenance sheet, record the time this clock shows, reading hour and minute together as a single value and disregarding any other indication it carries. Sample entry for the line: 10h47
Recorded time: 8h12
